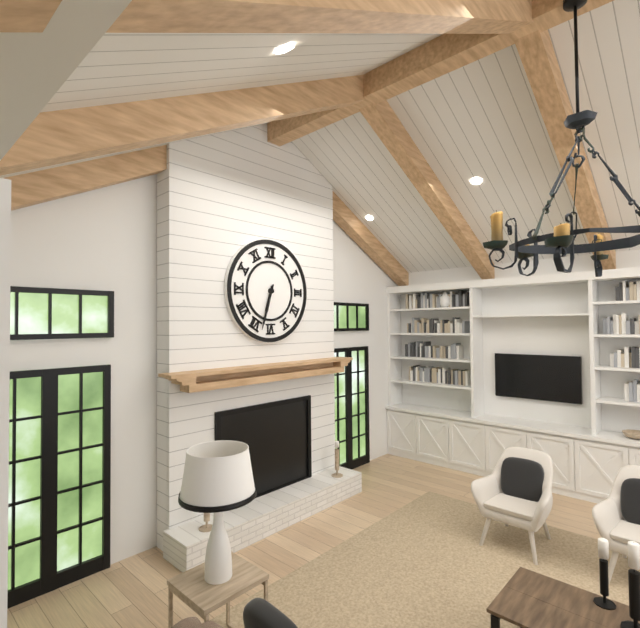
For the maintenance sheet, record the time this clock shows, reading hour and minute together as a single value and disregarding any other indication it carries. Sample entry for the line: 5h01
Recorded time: 6h33
